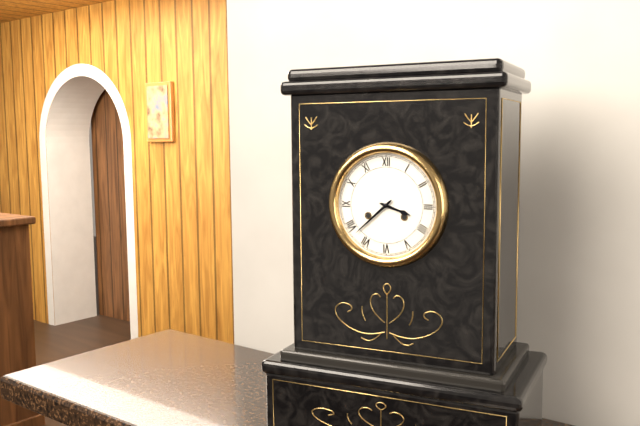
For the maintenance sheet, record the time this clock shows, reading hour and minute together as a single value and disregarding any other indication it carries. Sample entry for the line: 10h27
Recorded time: 3h38
